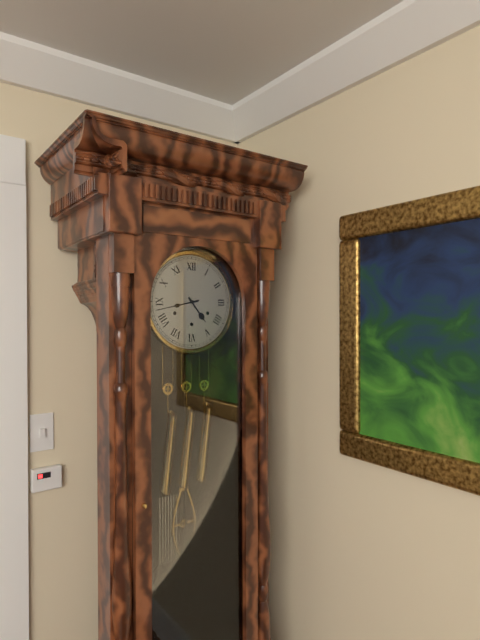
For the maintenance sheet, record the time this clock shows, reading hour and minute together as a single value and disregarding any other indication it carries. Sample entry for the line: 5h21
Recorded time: 4h43
